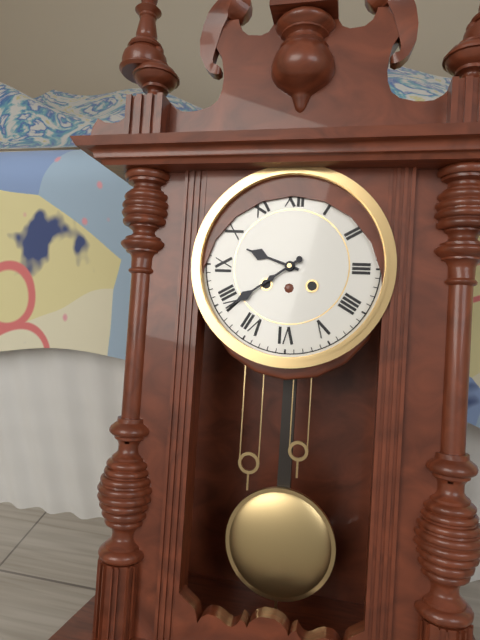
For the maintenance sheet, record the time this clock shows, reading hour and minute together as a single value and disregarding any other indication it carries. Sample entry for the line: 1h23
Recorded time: 9h39
